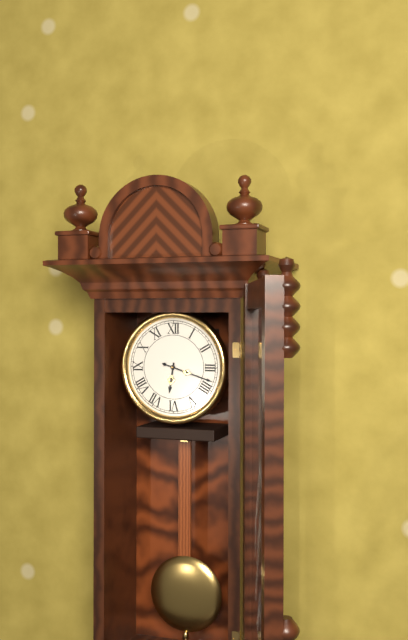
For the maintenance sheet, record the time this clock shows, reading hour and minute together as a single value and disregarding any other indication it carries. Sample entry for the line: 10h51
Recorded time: 6h18
